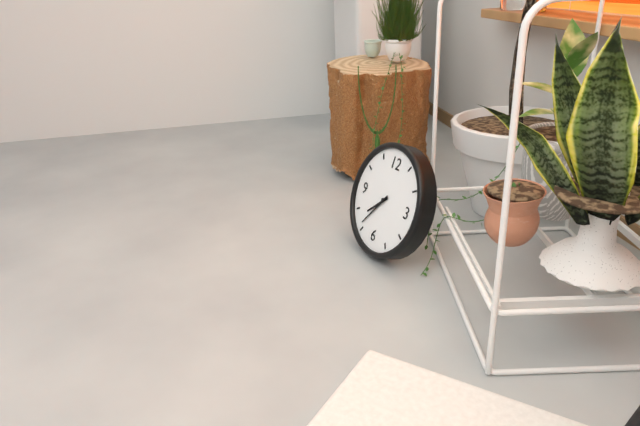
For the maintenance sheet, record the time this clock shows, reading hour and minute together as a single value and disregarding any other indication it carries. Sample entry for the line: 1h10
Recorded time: 7h36
